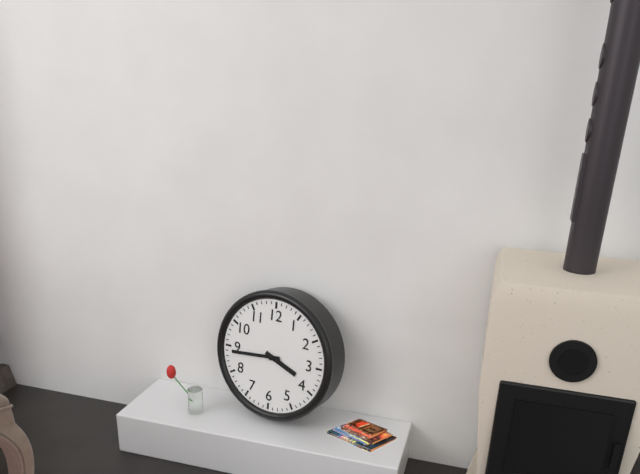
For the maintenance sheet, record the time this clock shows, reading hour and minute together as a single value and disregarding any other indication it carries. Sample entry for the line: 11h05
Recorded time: 3h44
